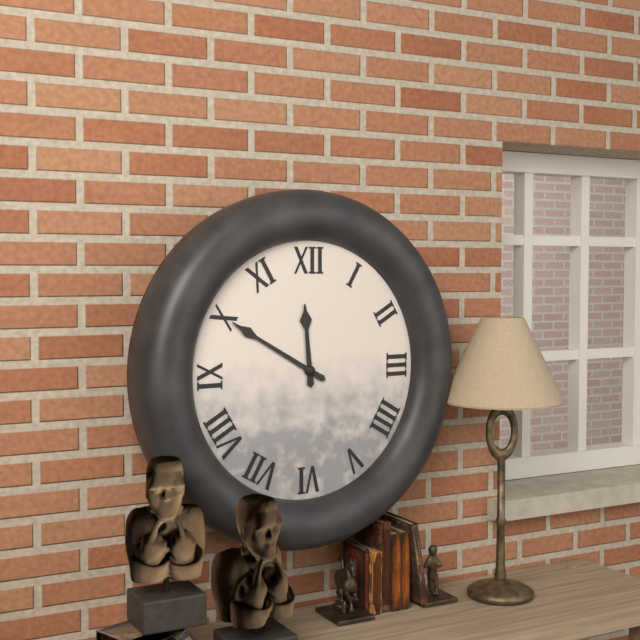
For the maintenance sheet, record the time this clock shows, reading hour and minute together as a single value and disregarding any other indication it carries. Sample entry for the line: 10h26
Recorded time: 11h50
